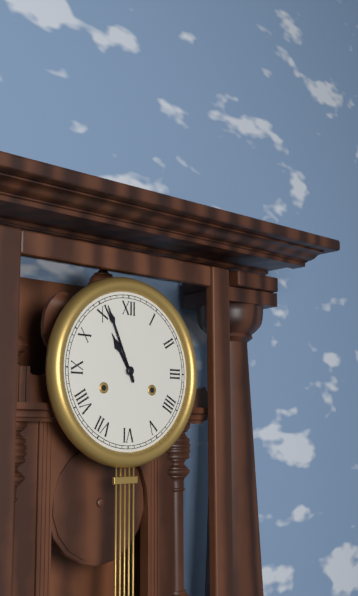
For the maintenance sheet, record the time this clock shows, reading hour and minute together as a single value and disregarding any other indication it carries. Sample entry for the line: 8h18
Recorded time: 10h56
